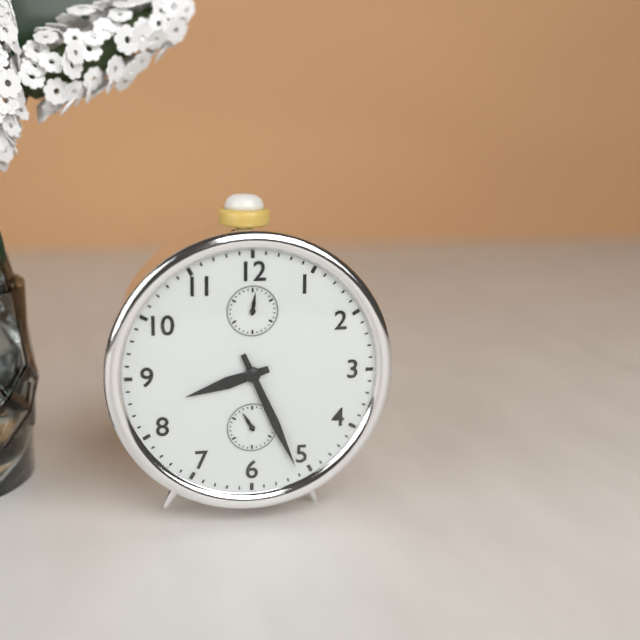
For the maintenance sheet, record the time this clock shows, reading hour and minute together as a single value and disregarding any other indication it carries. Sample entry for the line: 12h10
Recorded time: 8h26
